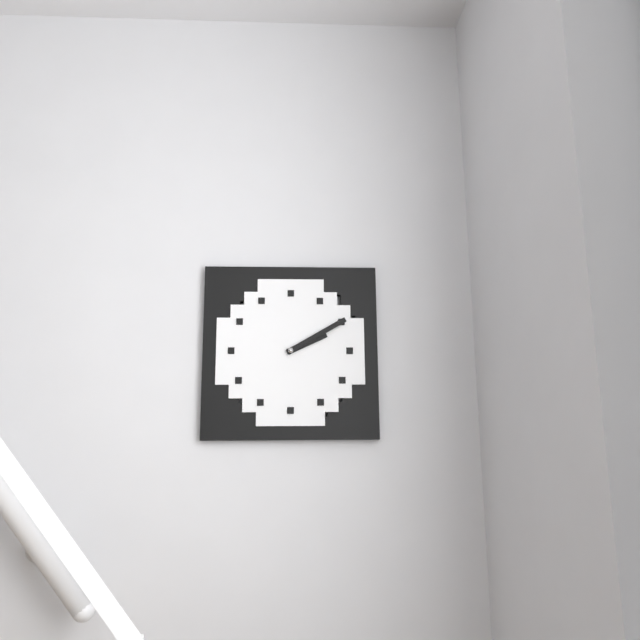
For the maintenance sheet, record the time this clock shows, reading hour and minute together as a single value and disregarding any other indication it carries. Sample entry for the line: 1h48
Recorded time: 2h10
